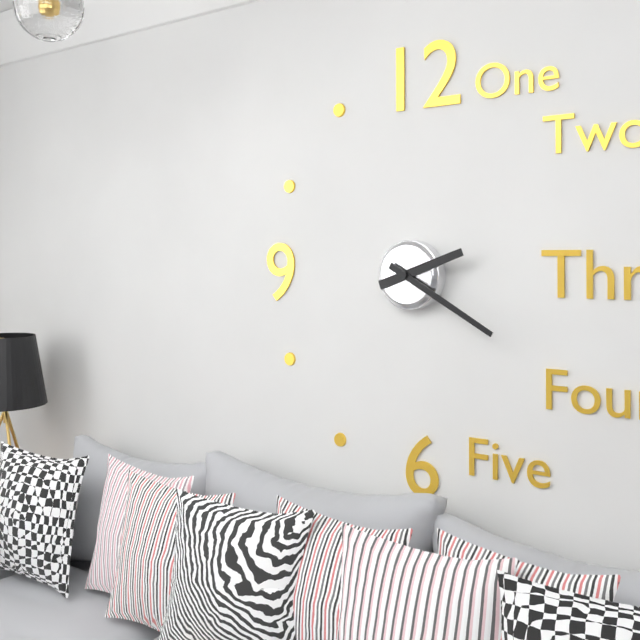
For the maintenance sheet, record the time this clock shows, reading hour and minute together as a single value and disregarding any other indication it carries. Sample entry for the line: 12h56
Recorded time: 2h20
